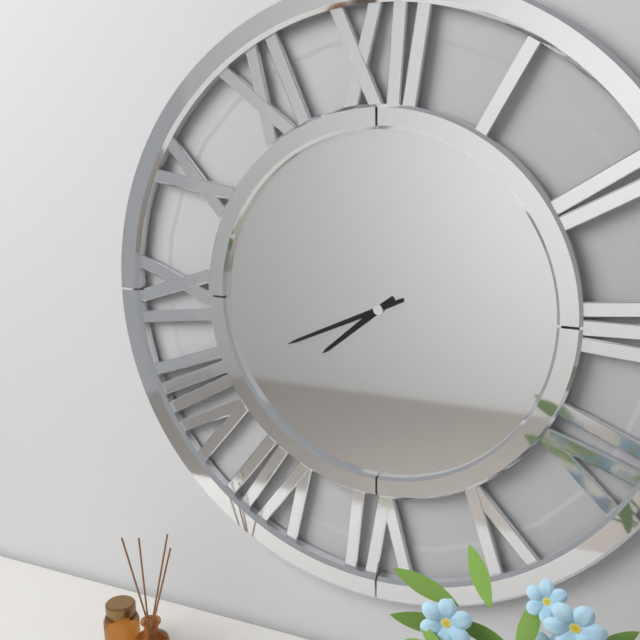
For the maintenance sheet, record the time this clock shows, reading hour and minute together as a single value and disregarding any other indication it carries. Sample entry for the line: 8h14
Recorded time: 7h41
